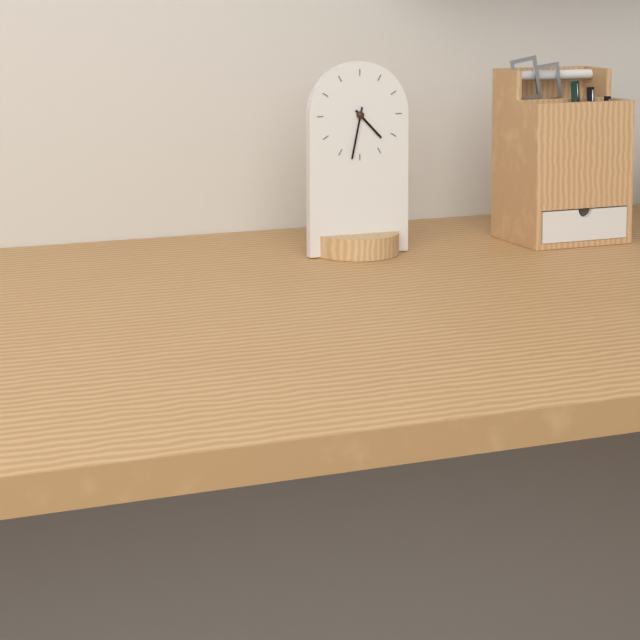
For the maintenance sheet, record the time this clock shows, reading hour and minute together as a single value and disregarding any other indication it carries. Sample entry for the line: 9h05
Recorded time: 4h32
